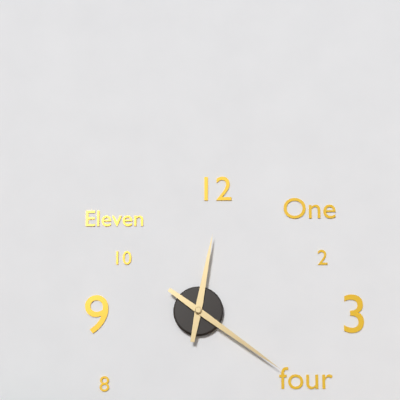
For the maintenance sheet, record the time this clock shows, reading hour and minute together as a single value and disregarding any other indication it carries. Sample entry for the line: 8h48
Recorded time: 12h21
